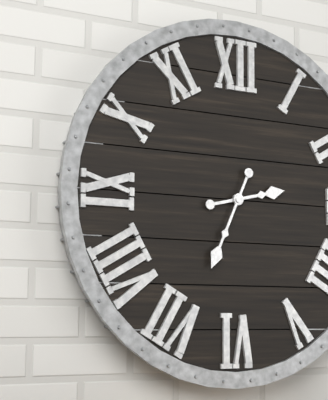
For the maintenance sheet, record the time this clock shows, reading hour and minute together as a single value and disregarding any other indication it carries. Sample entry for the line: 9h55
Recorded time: 2h34
